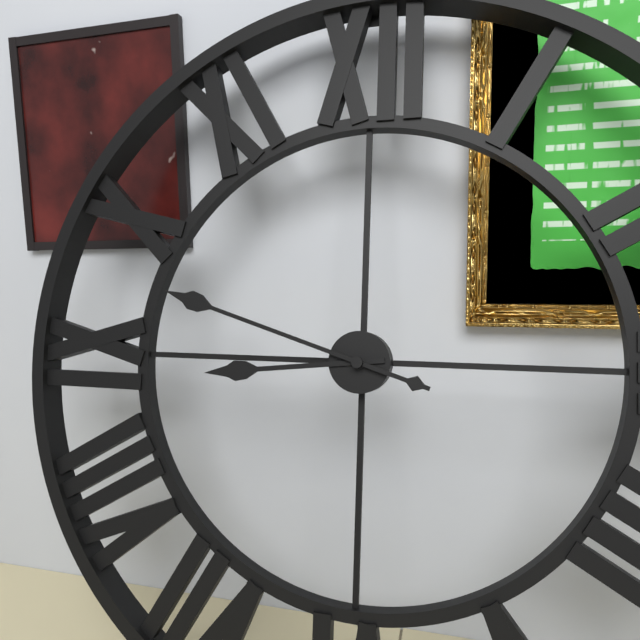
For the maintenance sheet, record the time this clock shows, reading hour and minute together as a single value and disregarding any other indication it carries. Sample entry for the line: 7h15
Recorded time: 8h48
